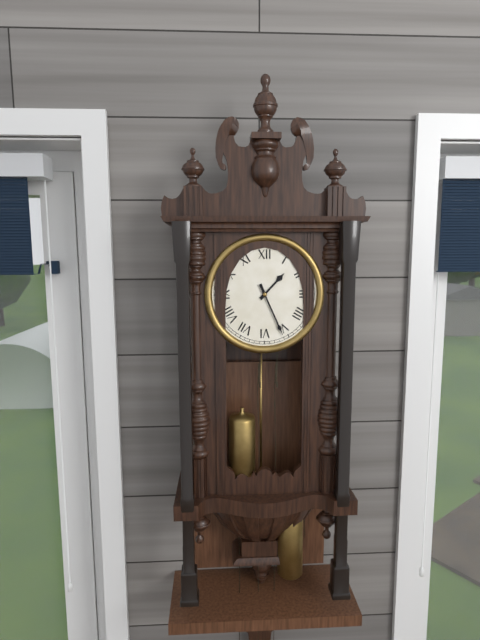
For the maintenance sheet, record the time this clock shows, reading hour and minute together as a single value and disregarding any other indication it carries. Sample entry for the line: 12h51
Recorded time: 1h26
